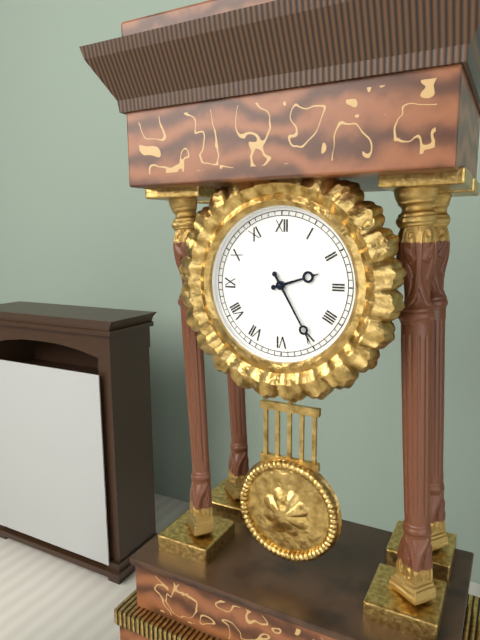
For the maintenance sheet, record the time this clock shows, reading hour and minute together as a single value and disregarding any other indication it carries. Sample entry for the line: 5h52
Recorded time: 2h25
